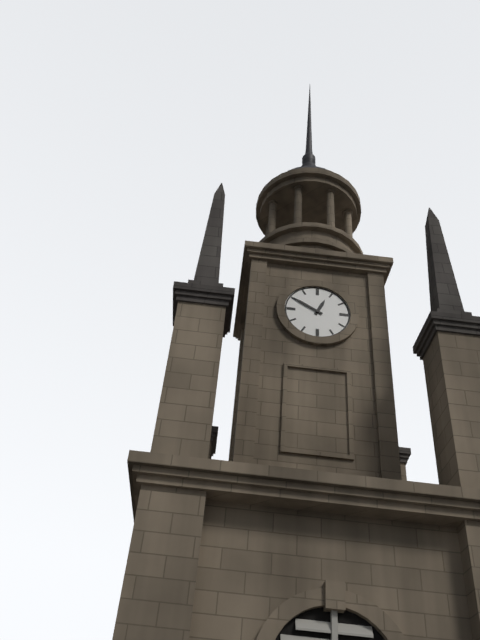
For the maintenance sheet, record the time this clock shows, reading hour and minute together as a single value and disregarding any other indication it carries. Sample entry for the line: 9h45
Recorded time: 12h50
